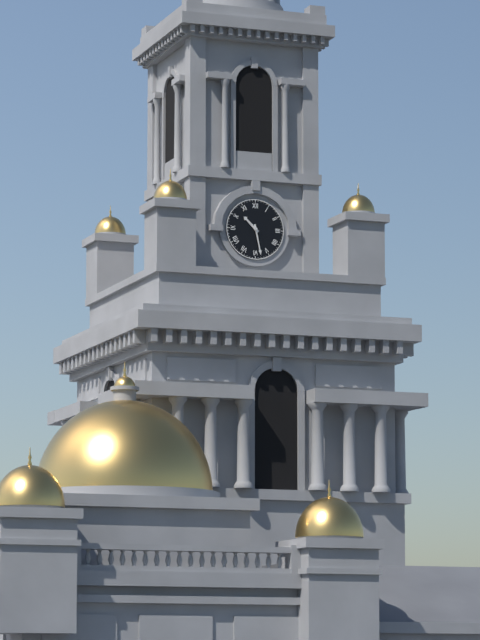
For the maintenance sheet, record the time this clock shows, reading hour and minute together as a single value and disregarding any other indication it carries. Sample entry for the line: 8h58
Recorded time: 10h28
